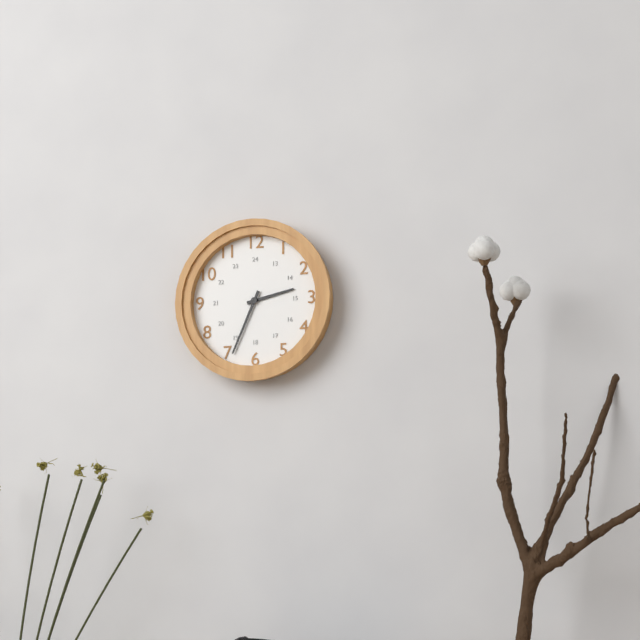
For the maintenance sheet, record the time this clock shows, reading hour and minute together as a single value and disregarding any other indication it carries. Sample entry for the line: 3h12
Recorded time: 2h34
